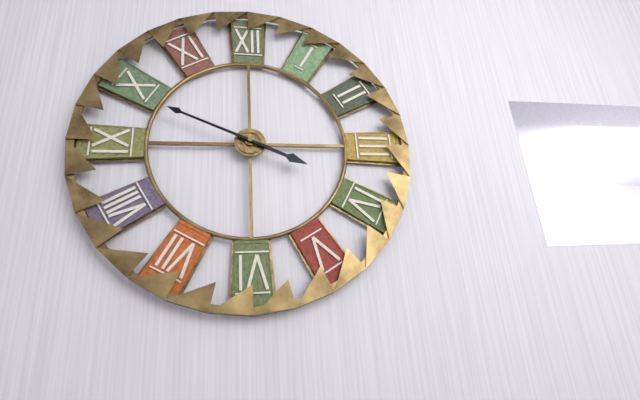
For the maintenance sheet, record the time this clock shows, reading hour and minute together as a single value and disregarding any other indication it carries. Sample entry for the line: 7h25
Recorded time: 3h49
